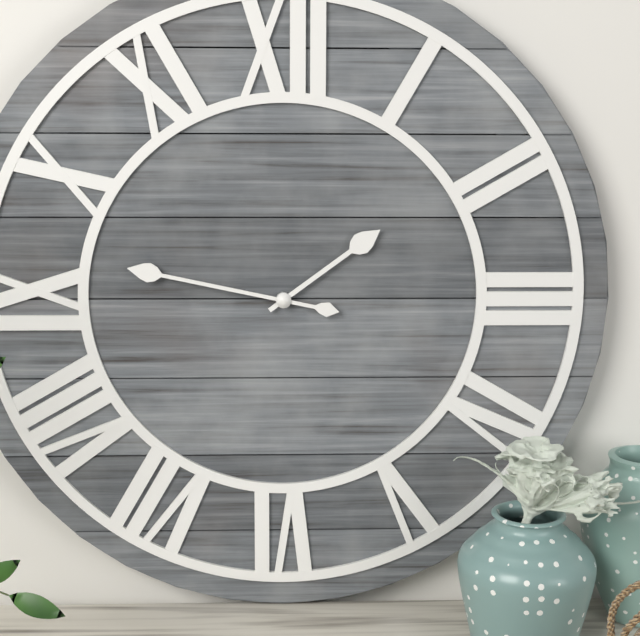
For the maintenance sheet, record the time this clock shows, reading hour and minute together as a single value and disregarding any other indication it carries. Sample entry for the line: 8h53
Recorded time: 1h47
